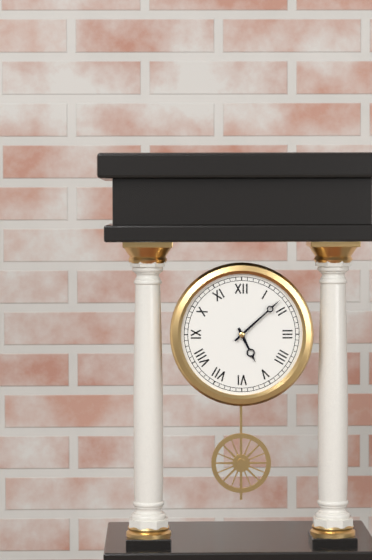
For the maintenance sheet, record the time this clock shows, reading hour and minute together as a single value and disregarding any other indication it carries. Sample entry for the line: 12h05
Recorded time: 5h08
